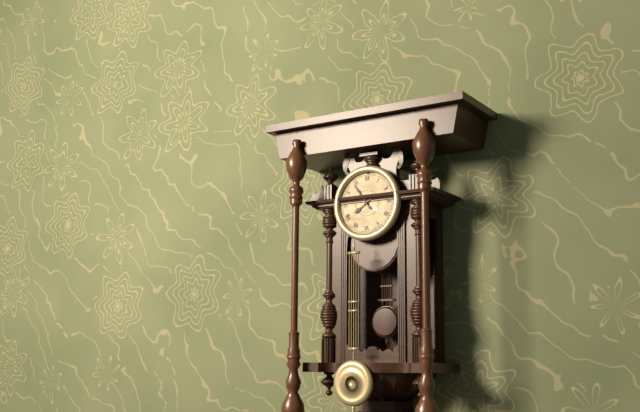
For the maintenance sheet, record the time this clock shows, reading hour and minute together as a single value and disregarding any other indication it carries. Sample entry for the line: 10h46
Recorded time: 7h54
